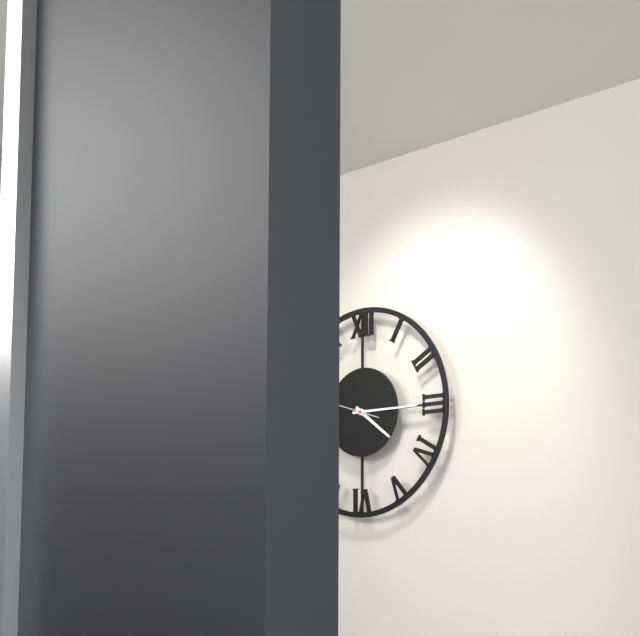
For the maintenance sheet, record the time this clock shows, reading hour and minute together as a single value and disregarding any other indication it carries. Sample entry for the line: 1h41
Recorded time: 4h15
